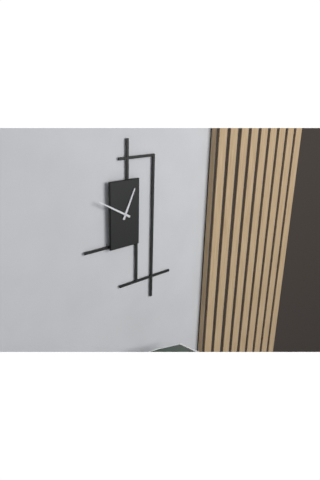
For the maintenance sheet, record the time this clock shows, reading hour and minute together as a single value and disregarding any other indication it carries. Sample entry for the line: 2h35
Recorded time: 12h50
